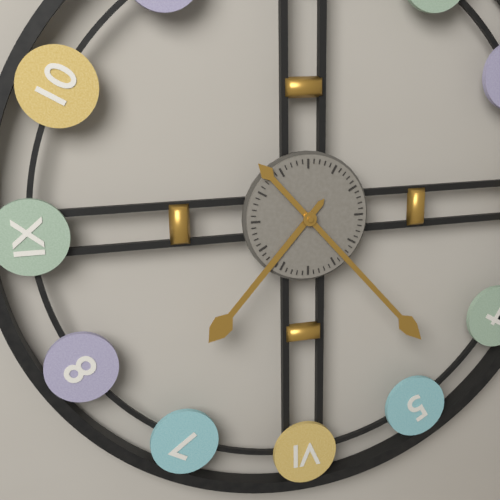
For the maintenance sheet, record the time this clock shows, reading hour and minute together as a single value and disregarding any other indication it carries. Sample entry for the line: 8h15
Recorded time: 7h23
